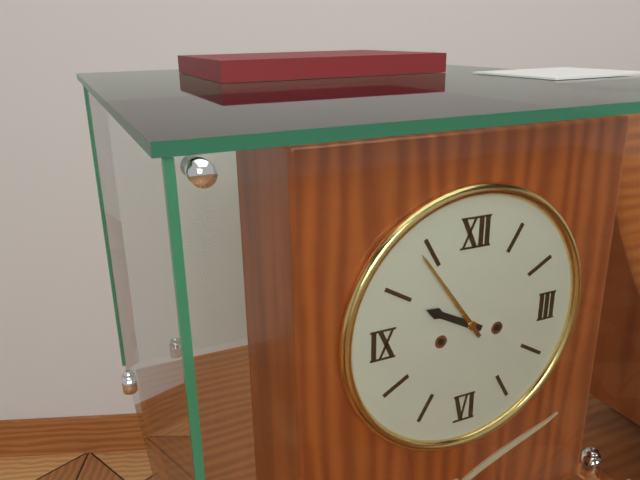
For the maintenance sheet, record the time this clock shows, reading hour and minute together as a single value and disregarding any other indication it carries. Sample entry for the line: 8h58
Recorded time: 9h54
